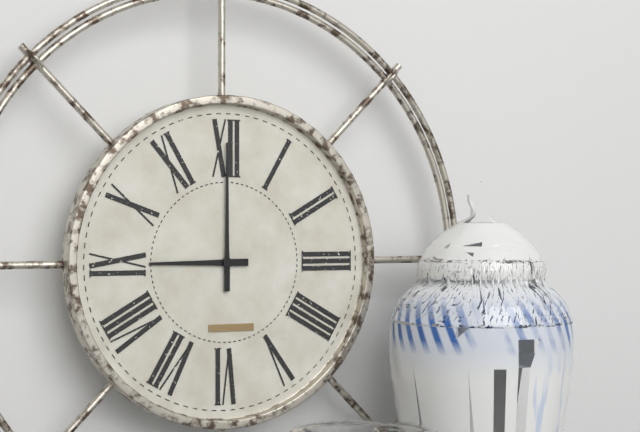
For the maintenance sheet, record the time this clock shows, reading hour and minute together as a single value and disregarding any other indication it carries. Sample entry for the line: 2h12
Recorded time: 9h00
